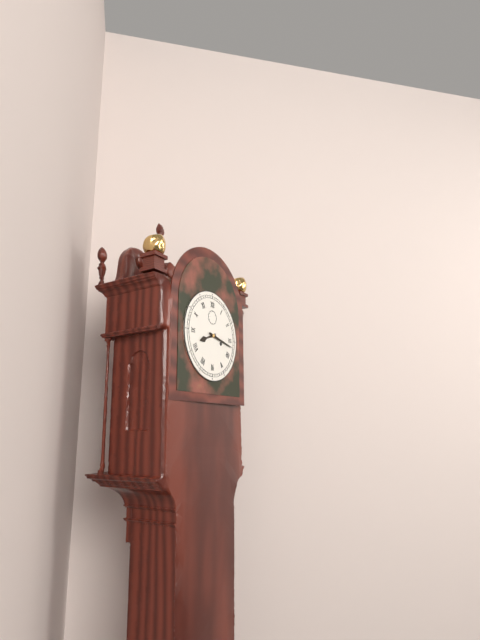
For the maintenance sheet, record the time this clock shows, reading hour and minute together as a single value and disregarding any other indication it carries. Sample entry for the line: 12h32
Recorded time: 8h17
